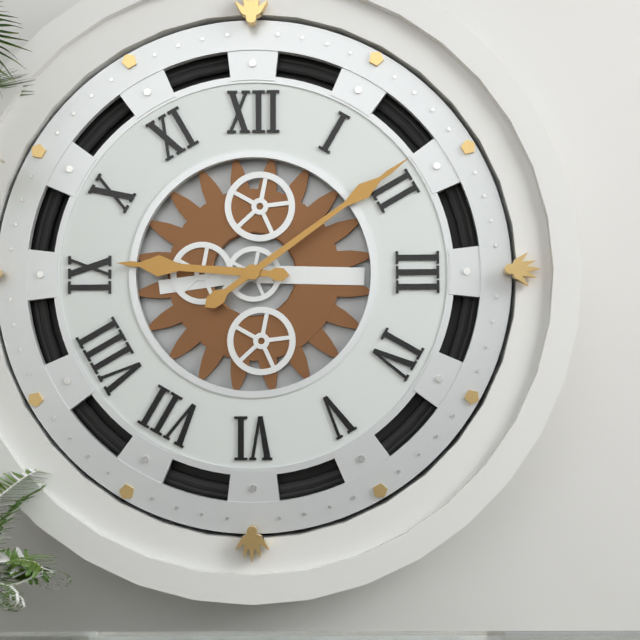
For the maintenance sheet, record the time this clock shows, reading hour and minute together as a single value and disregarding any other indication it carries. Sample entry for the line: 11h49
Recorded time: 9h09
